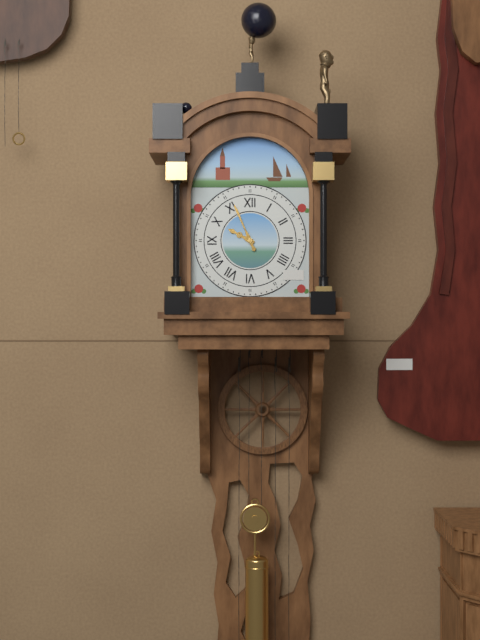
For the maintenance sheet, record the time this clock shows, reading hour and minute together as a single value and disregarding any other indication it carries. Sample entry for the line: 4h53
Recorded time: 9h56
